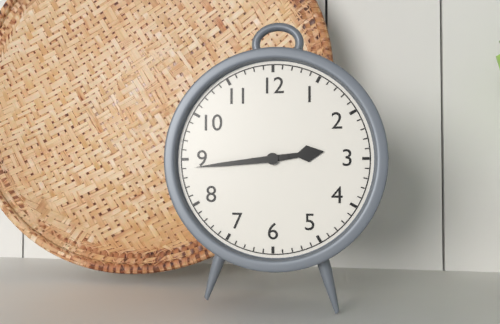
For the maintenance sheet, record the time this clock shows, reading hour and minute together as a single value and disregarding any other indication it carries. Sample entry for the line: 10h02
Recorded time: 2h44
